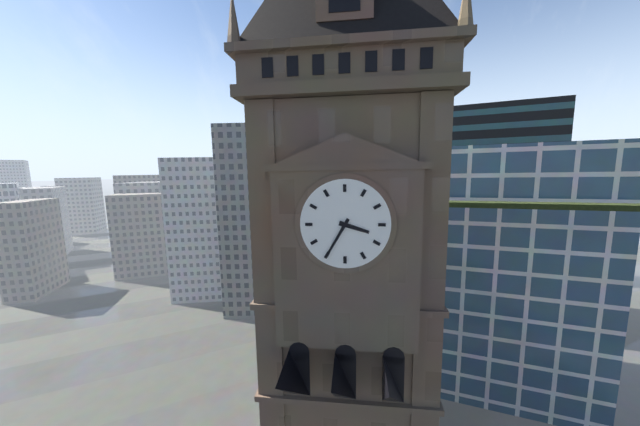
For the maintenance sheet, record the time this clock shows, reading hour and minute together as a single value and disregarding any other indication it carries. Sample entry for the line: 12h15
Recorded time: 3h35
